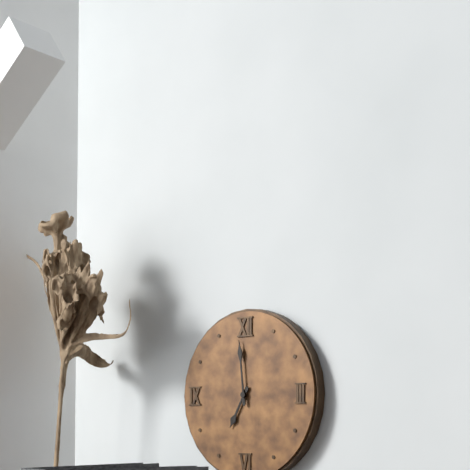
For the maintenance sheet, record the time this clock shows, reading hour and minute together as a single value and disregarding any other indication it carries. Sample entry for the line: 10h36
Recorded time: 6h59
